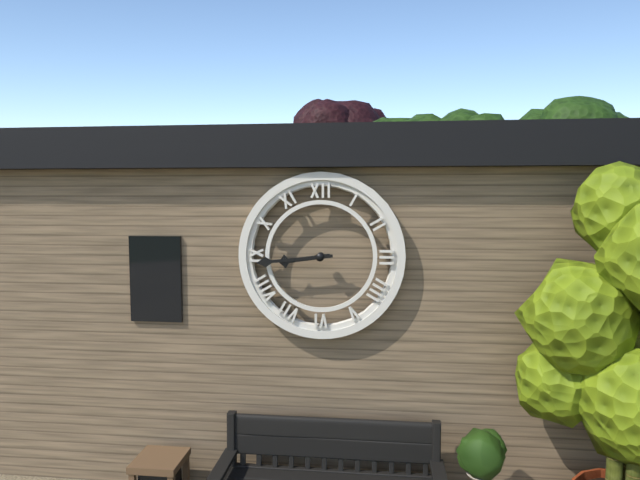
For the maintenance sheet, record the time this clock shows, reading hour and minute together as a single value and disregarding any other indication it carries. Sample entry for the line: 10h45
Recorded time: 8h44
